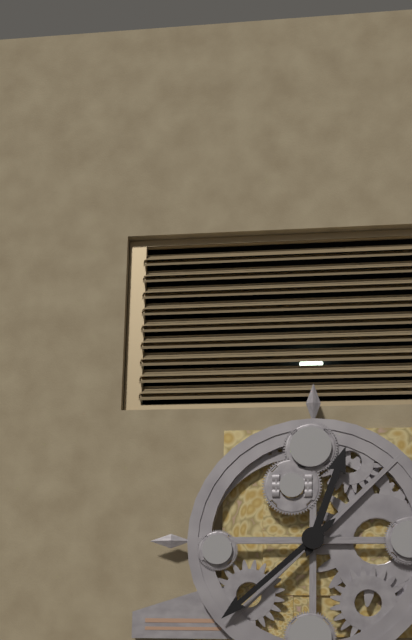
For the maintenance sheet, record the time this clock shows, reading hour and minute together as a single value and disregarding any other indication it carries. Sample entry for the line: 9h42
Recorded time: 12h38
